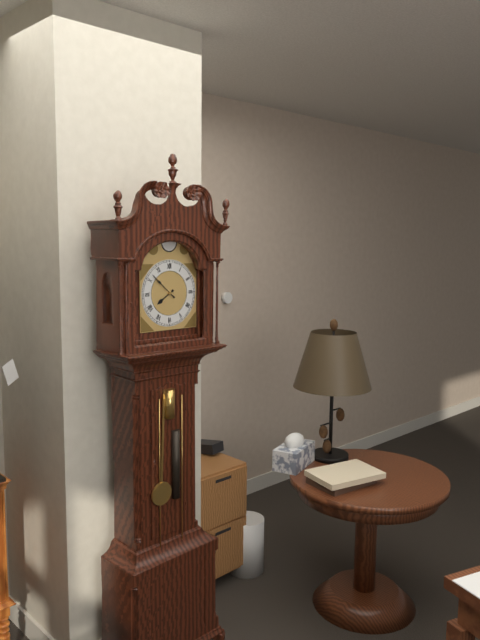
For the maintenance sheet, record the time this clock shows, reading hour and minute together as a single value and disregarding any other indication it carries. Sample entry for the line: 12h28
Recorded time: 7h52
